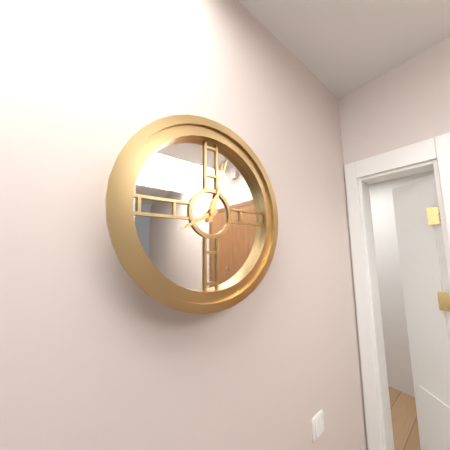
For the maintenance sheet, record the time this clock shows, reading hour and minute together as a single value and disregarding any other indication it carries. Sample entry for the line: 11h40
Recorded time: 8h03
